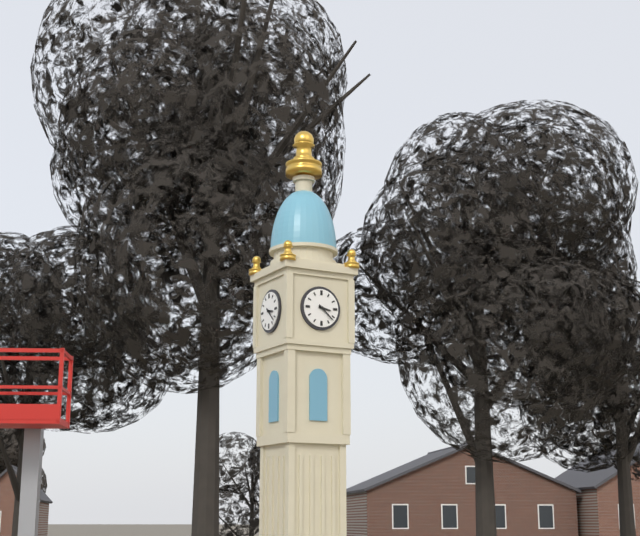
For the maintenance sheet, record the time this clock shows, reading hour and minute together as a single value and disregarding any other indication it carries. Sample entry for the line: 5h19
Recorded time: 3h22
